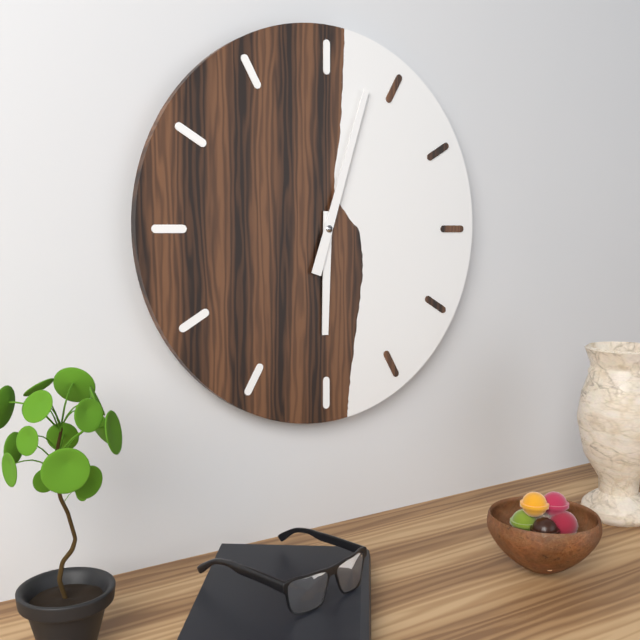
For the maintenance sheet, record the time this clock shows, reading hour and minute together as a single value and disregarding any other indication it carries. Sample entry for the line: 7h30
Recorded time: 6h03
